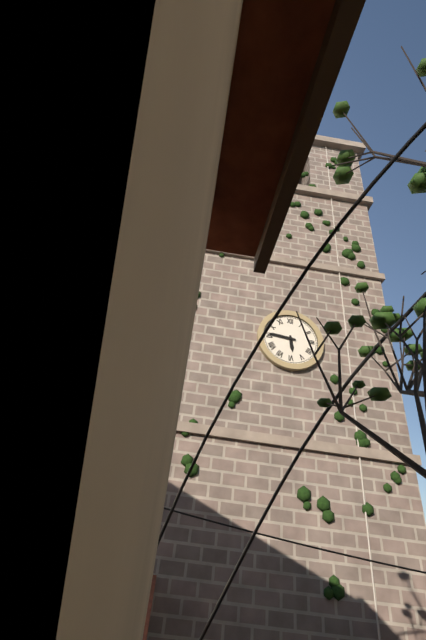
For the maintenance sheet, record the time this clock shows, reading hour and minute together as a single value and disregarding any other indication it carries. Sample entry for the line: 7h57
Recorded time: 5h46
